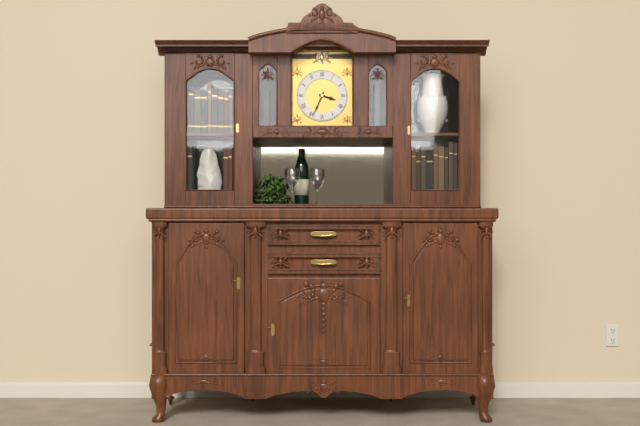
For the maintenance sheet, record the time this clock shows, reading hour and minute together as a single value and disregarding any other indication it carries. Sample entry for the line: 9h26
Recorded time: 3h34
